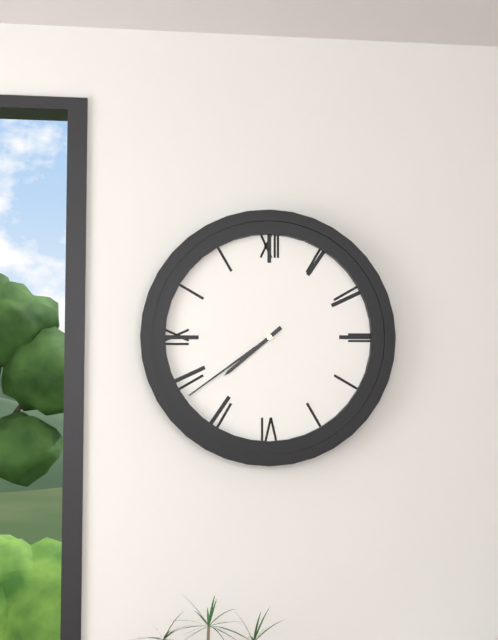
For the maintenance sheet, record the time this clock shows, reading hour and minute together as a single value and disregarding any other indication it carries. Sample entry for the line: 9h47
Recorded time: 7h39
